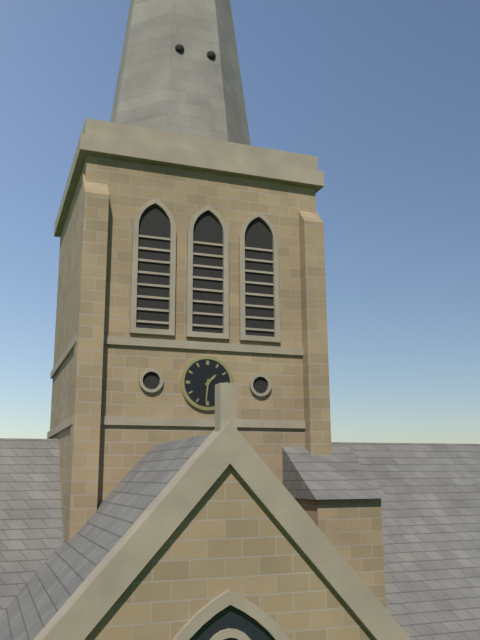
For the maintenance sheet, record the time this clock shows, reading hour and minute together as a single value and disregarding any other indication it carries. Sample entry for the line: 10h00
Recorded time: 1h31
